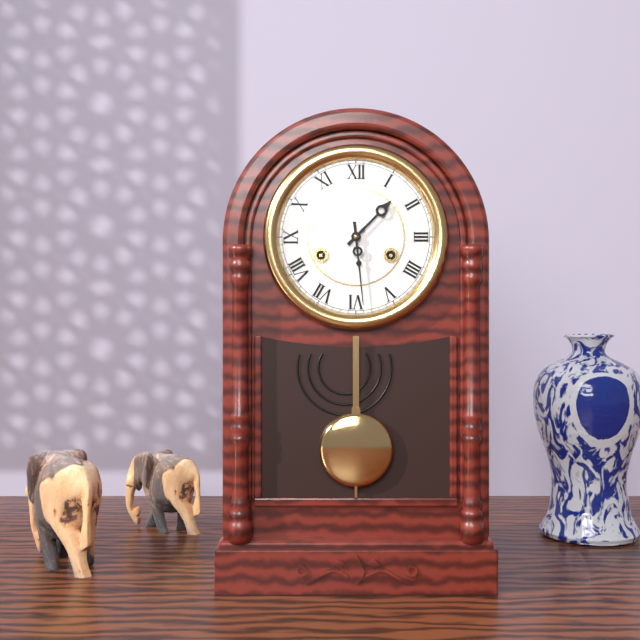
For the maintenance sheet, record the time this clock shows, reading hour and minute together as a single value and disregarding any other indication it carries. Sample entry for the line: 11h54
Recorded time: 1h29
